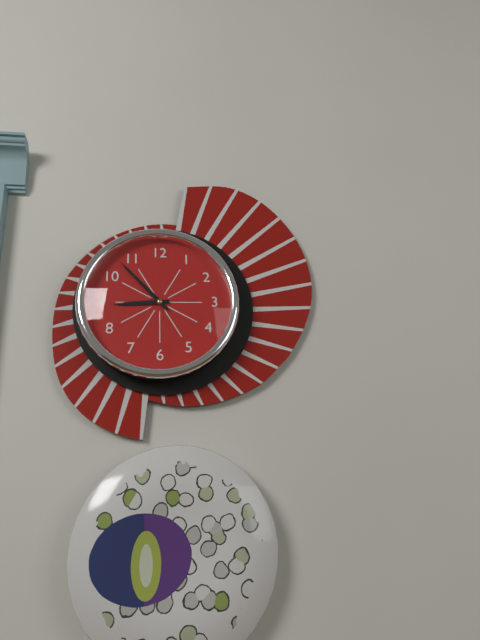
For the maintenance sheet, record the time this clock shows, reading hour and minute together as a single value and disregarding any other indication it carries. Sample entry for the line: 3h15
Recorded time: 8h53
